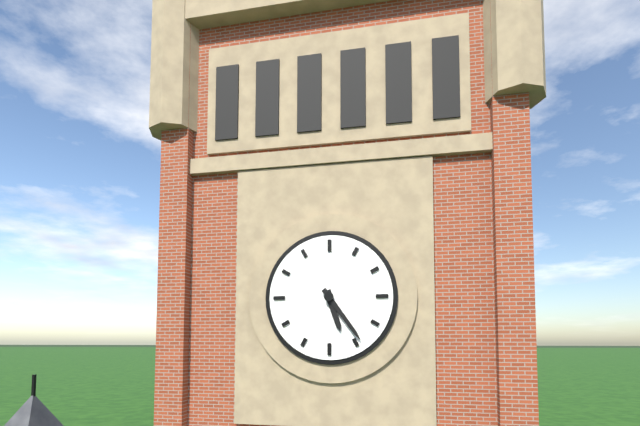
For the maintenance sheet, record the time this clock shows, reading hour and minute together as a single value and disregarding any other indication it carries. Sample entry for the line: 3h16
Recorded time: 5h24
